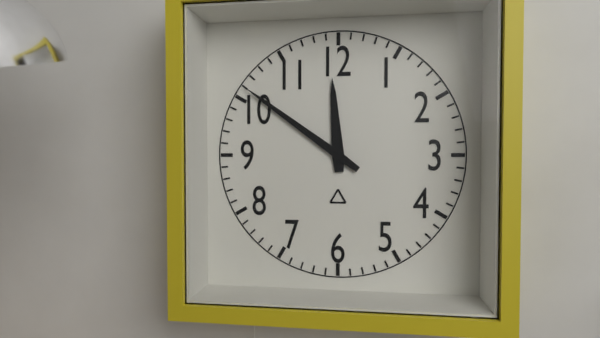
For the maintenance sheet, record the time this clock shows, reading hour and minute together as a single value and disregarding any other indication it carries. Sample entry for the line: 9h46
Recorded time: 11h51
